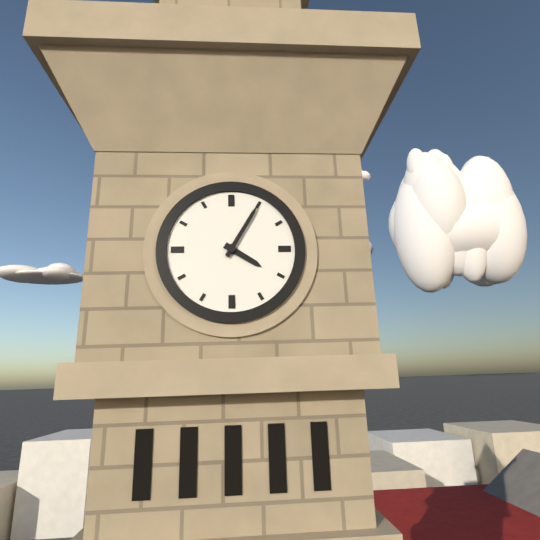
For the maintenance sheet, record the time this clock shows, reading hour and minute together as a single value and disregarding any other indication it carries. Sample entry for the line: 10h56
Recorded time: 4h05
